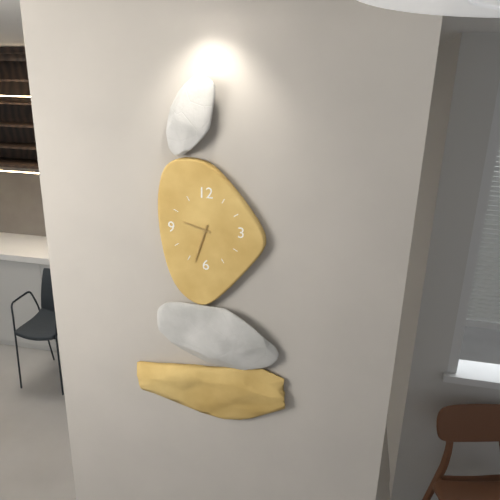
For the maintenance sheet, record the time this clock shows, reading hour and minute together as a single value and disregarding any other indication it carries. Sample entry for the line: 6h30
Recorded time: 9h33
